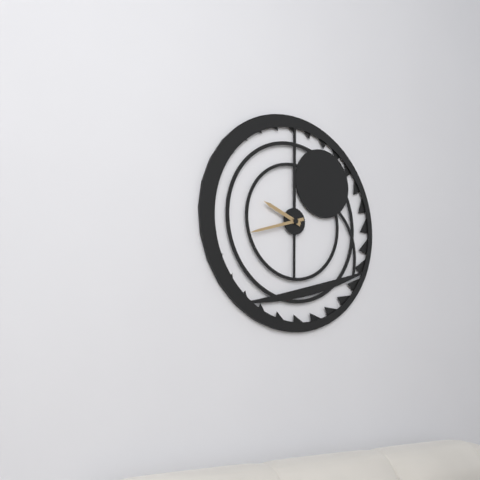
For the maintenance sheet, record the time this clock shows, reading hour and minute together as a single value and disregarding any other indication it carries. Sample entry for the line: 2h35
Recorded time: 9h42
